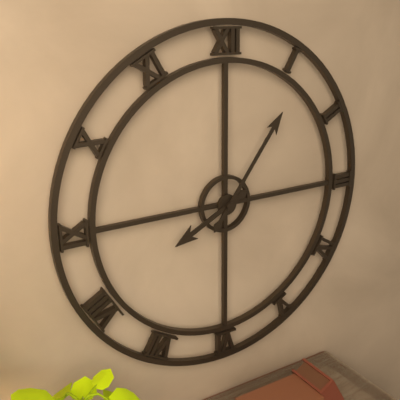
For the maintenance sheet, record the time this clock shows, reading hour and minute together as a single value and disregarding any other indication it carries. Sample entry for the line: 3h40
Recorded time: 8h06
